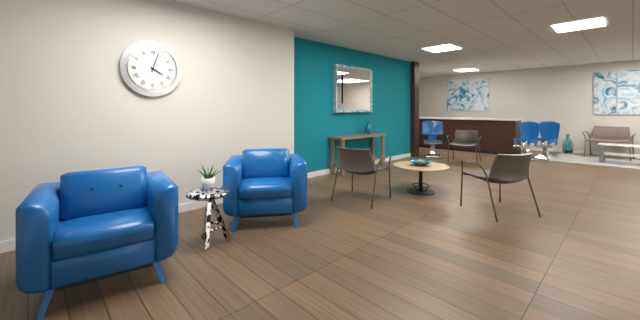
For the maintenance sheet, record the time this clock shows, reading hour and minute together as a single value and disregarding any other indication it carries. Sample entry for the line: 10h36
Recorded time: 4h03
